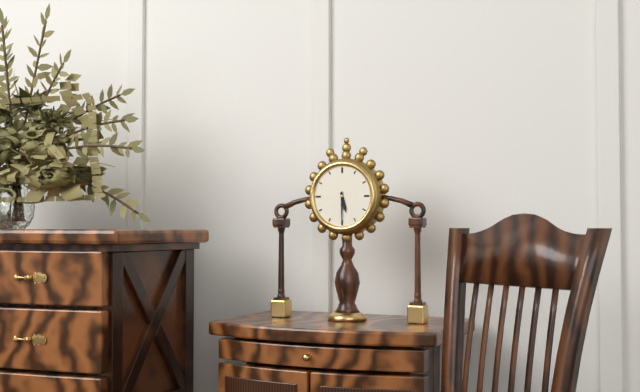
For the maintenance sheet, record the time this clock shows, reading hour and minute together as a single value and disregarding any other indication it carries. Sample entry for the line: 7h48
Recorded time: 5h30
